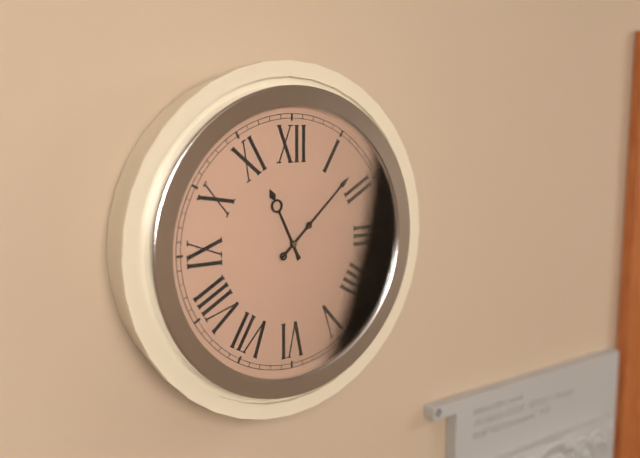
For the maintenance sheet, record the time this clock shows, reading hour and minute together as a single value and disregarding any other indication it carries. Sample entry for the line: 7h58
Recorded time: 11h08
